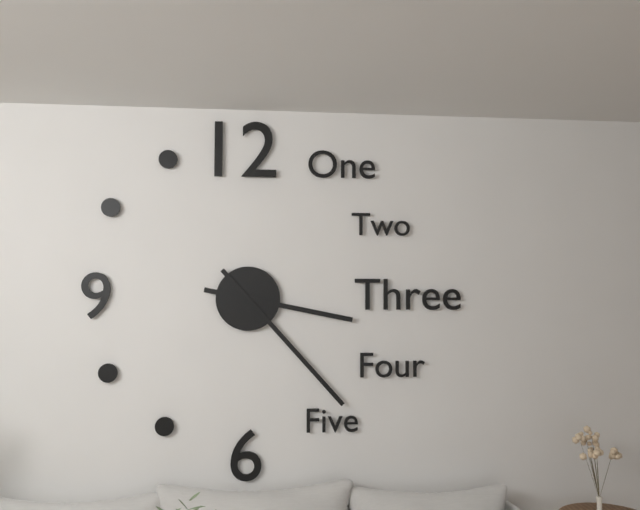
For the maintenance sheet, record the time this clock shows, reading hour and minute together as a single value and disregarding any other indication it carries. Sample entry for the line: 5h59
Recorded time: 3h23
